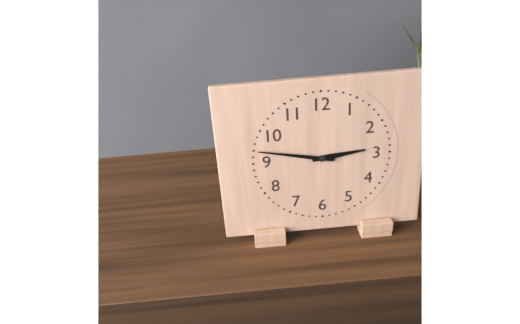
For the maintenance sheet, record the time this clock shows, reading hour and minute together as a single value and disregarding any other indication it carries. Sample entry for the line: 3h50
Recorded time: 2h47
